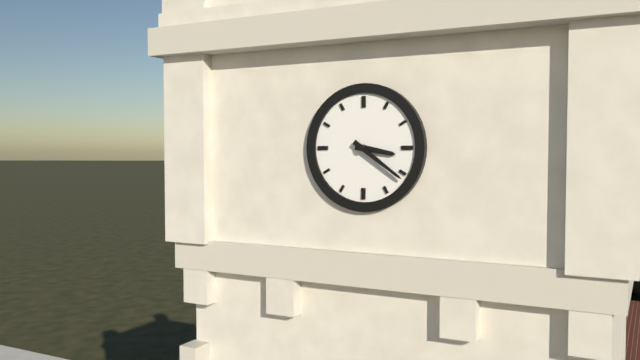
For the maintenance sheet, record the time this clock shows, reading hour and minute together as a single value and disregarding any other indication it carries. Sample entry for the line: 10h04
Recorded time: 3h21
